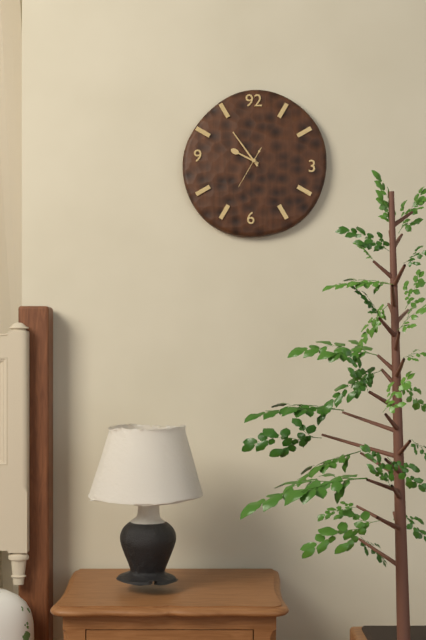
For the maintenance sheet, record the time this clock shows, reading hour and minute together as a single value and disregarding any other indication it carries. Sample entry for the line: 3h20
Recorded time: 9h54
